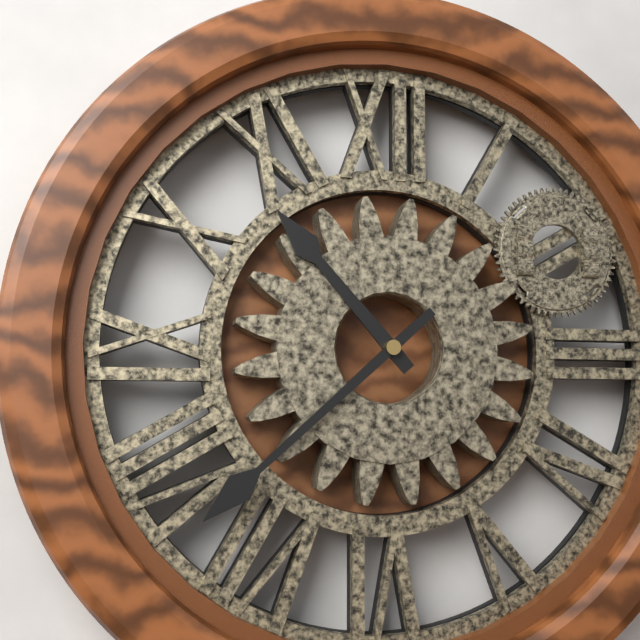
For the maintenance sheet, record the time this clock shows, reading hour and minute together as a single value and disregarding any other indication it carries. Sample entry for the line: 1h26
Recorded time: 10h38
